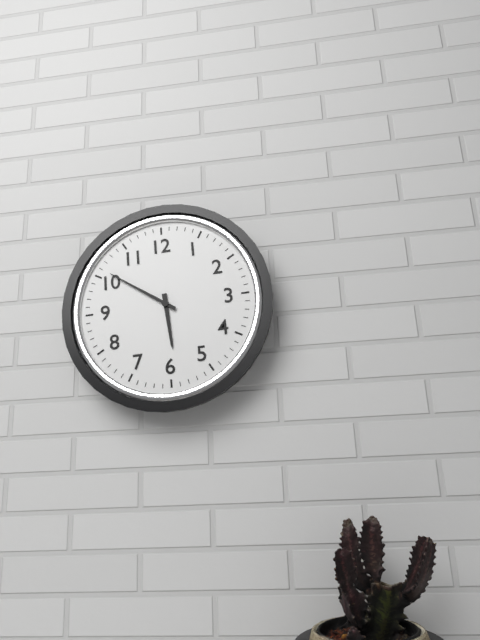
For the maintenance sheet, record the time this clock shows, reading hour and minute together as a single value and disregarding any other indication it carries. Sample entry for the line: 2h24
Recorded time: 5h51
